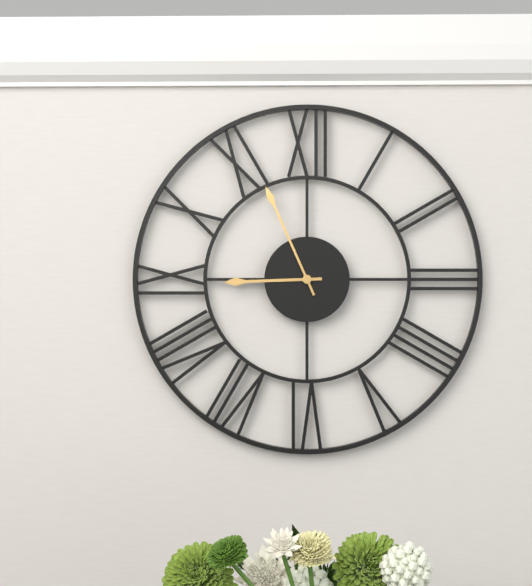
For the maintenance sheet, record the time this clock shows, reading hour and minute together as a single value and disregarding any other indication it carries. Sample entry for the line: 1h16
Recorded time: 8h56
